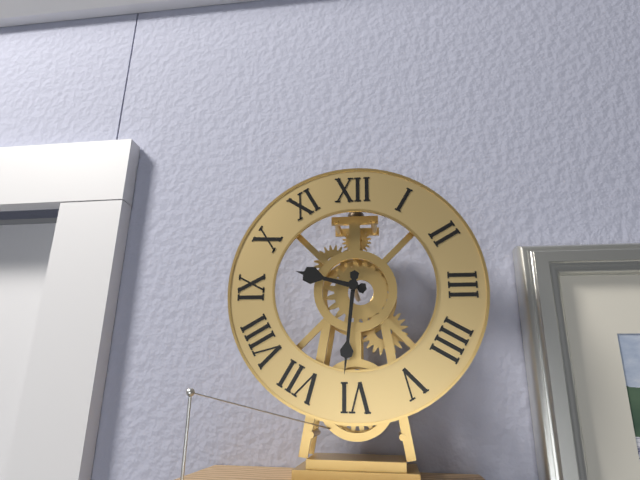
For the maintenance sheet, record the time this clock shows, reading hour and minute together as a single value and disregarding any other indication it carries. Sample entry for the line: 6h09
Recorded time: 9h31
